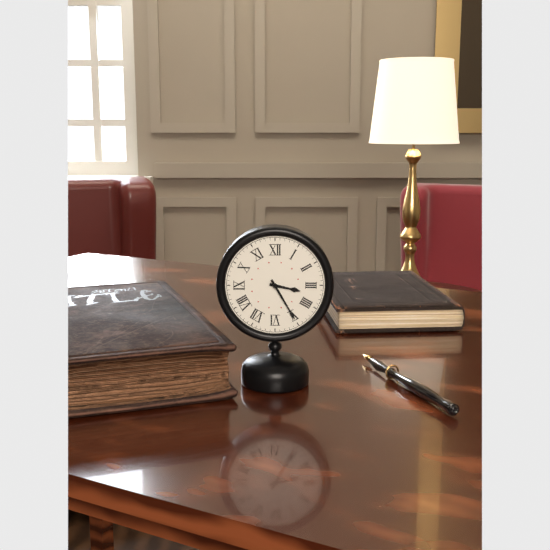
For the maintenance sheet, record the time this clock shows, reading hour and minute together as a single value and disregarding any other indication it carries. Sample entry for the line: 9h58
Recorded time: 3h25
